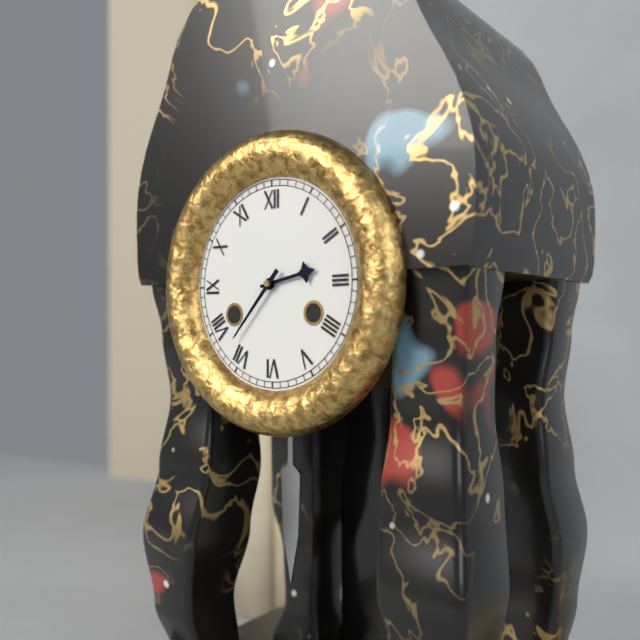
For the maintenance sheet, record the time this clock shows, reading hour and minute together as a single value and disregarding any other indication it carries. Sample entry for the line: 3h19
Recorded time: 2h37
